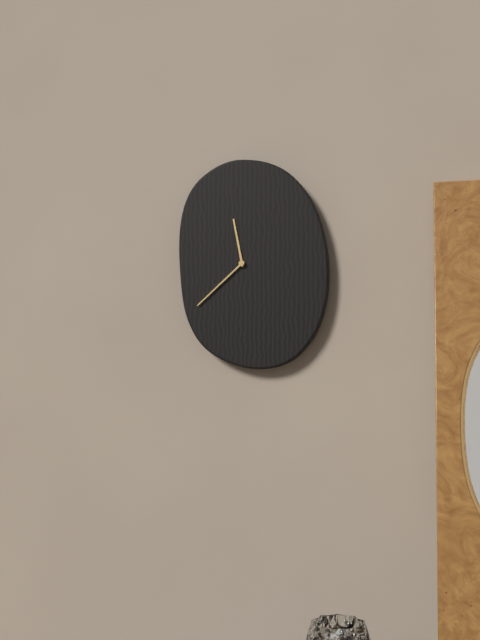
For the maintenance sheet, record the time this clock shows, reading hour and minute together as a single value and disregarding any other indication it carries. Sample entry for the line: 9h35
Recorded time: 11h38
